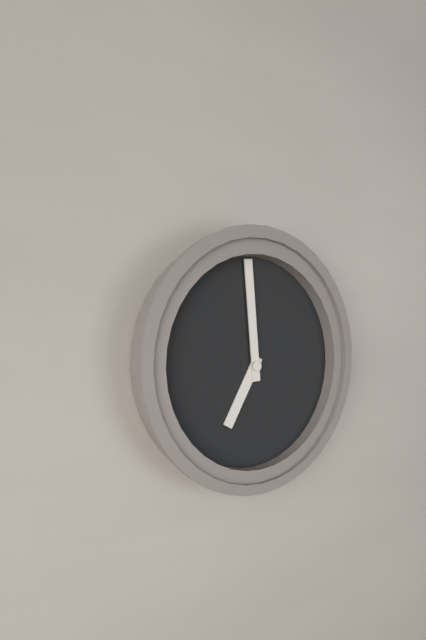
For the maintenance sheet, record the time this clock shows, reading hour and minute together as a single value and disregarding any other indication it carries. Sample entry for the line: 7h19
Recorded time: 6h59
